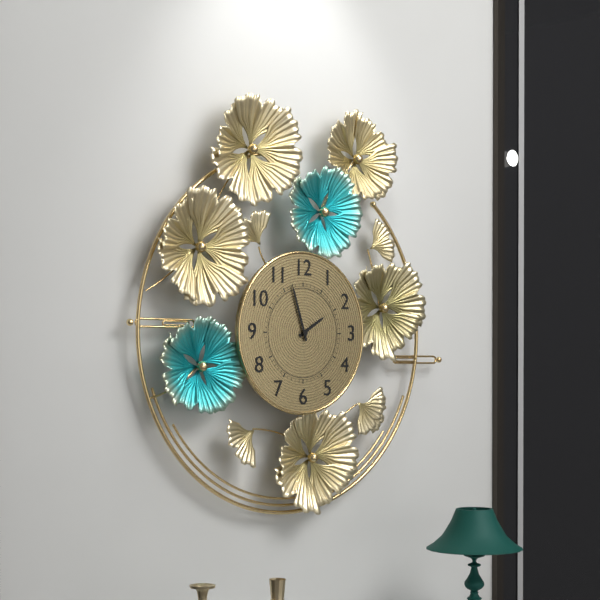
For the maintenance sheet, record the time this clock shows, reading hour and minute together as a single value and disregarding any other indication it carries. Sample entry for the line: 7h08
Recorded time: 1h57
